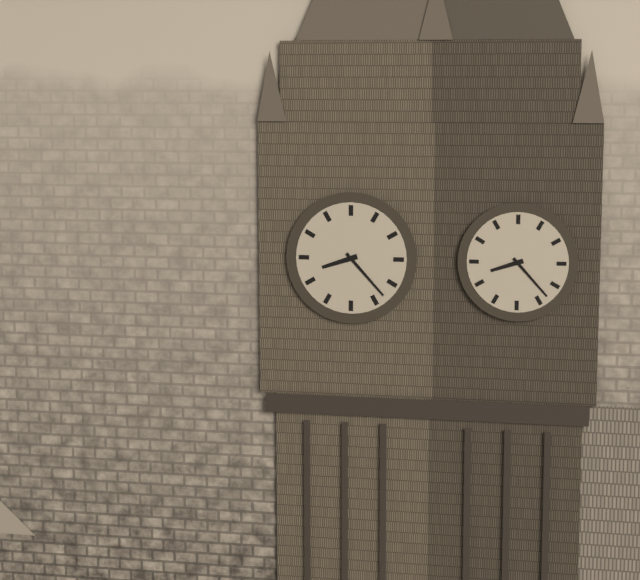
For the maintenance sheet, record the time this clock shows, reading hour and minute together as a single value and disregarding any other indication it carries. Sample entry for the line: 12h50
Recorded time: 8h23
